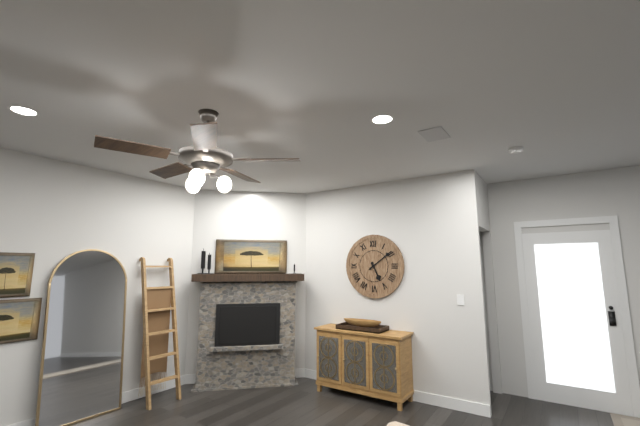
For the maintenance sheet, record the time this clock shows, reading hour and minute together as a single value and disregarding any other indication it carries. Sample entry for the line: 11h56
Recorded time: 5h09
